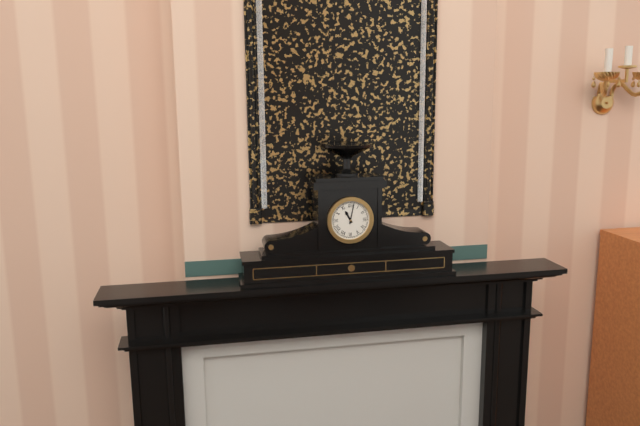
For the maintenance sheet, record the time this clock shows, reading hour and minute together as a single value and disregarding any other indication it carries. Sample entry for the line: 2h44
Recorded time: 11h02
